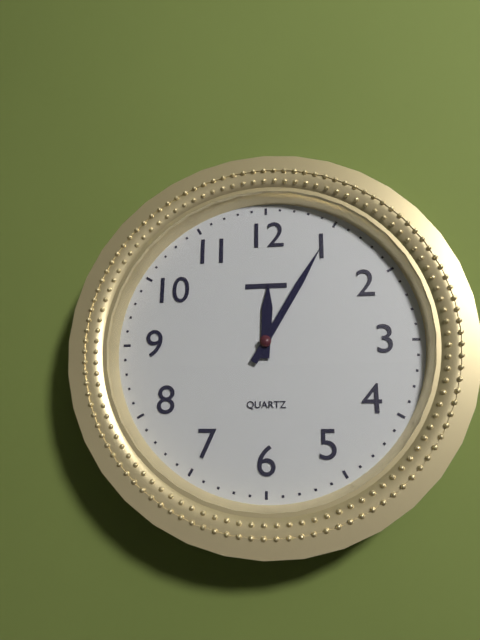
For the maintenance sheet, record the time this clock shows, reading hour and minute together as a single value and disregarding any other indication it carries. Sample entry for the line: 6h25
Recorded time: 12h05
